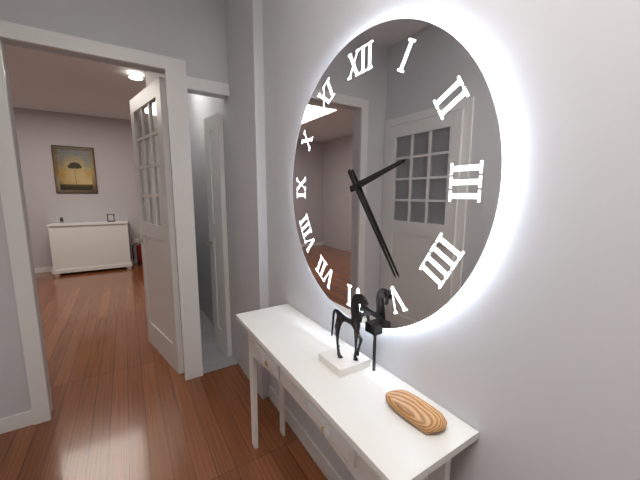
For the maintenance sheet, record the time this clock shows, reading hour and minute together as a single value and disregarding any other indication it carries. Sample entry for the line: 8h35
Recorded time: 2h24
